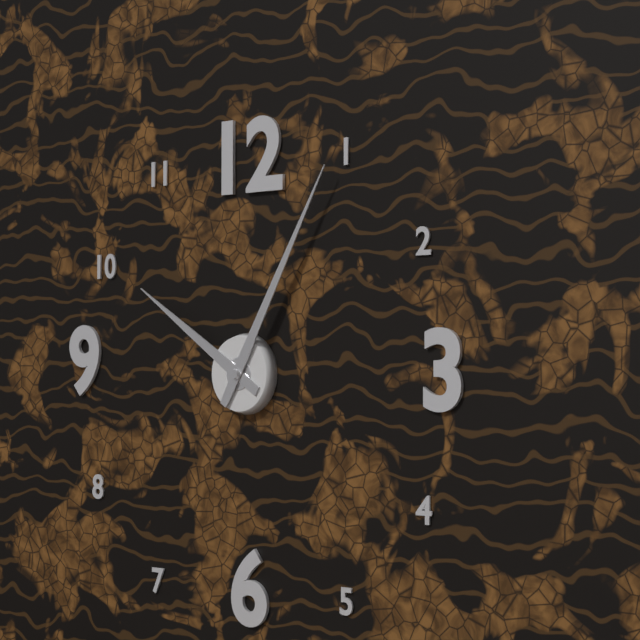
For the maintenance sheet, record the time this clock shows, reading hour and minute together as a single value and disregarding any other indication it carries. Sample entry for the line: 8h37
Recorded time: 10h05
